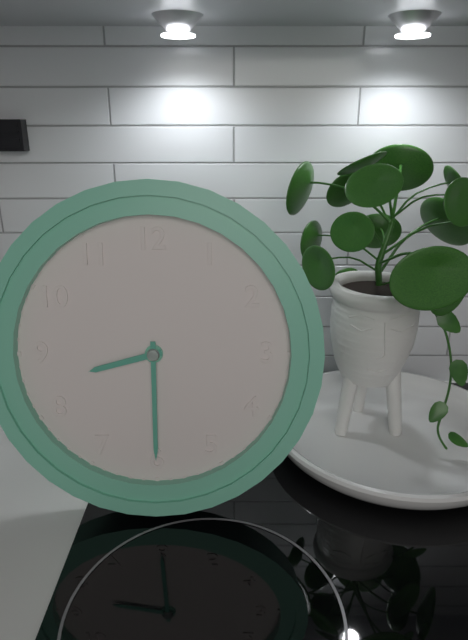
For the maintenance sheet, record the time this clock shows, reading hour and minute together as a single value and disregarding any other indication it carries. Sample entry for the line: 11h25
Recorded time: 8h30
